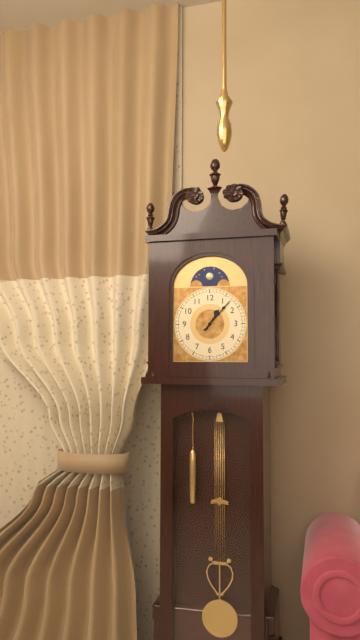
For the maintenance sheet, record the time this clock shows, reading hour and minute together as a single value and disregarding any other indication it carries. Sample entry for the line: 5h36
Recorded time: 1h07
